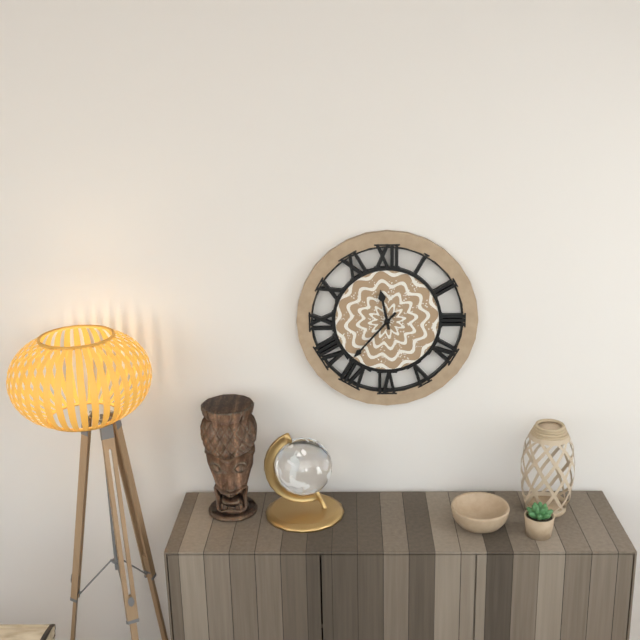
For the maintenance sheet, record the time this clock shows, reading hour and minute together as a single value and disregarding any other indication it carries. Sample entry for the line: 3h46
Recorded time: 11h37
